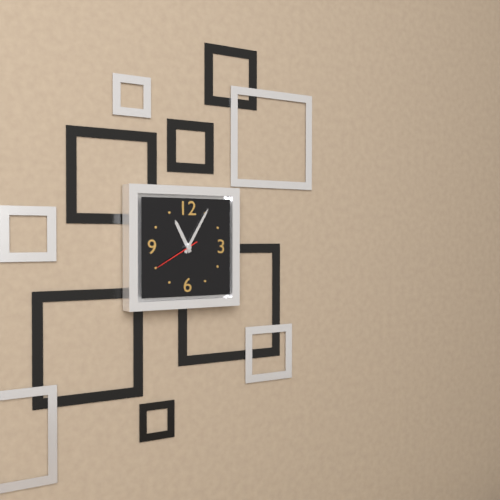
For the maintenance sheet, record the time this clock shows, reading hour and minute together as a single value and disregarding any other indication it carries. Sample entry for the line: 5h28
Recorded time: 11h05
